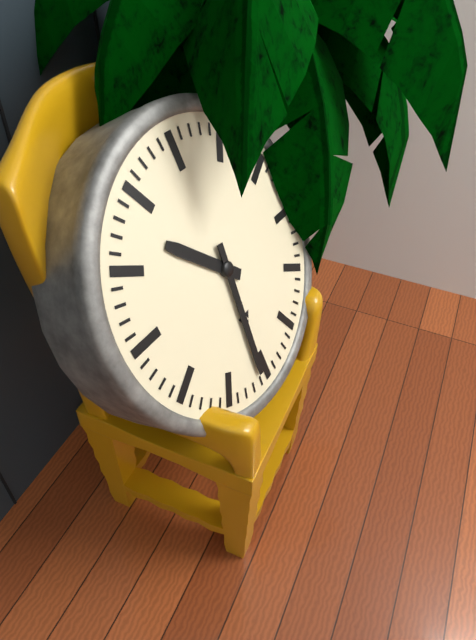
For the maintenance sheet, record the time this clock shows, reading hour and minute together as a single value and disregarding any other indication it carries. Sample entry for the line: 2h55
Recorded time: 10h31
